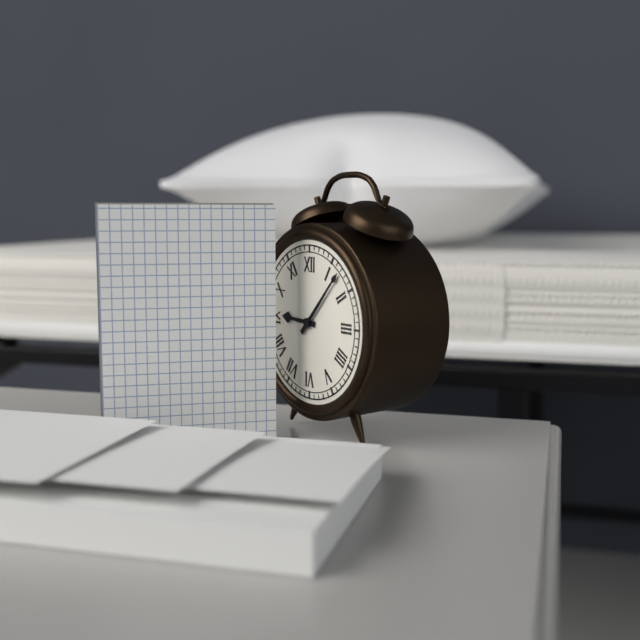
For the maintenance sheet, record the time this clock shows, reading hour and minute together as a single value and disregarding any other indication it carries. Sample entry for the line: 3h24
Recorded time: 9h07
